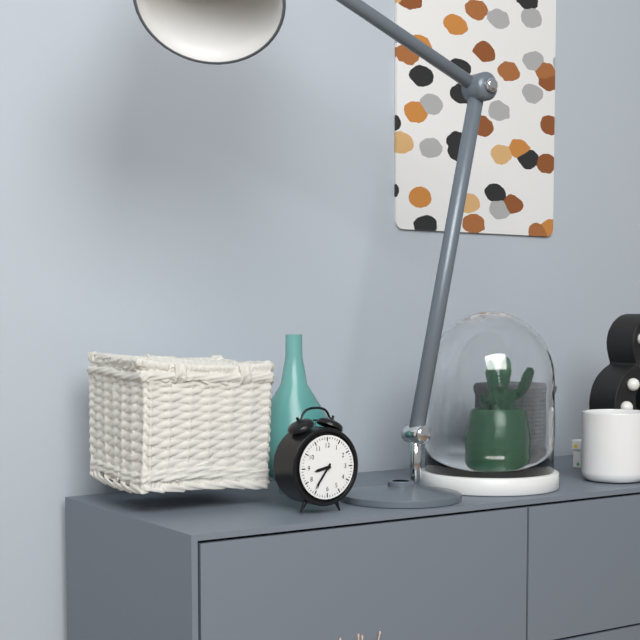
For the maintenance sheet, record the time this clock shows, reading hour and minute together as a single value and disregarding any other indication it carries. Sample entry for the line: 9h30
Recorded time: 8h36
